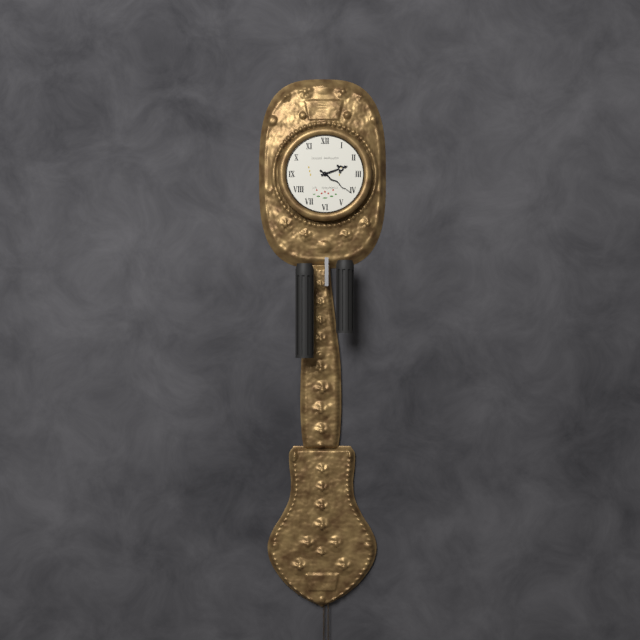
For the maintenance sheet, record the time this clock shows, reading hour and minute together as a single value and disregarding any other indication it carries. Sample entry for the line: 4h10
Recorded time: 2h21
